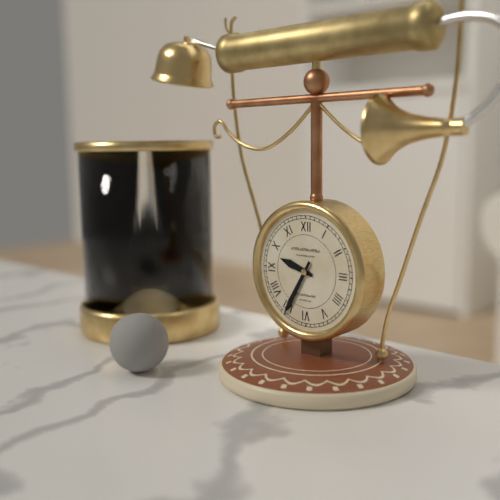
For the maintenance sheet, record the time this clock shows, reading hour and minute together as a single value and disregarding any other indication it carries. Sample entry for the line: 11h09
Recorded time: 9h35
